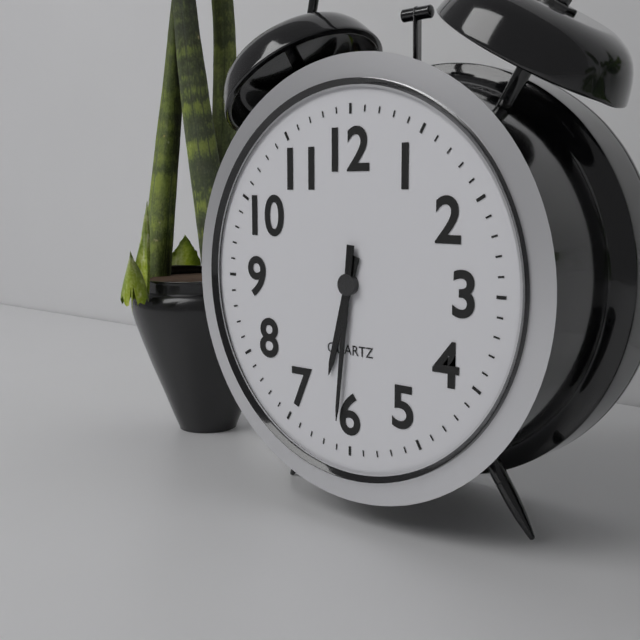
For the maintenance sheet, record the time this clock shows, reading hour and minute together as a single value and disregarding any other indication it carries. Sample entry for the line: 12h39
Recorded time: 6h31
